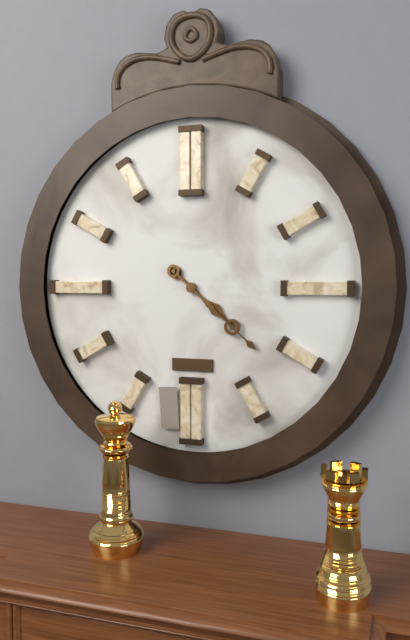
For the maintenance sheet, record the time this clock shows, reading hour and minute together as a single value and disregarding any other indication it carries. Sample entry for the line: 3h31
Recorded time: 4h22
